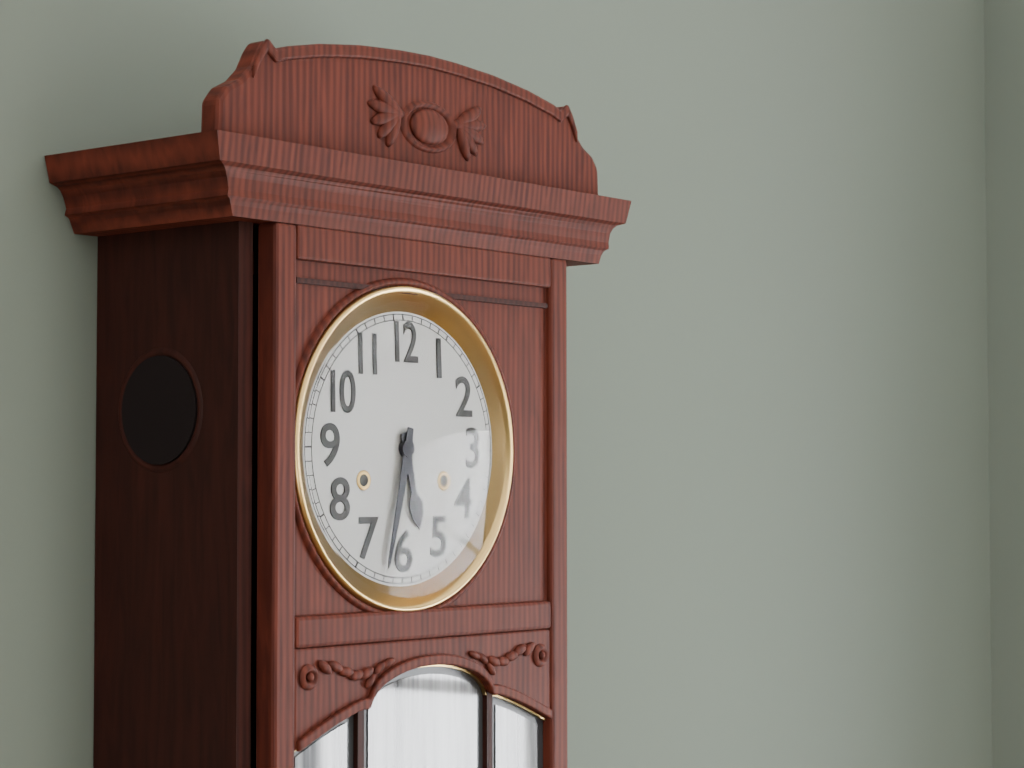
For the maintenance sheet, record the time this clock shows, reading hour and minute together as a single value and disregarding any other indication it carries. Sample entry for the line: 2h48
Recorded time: 5h32
